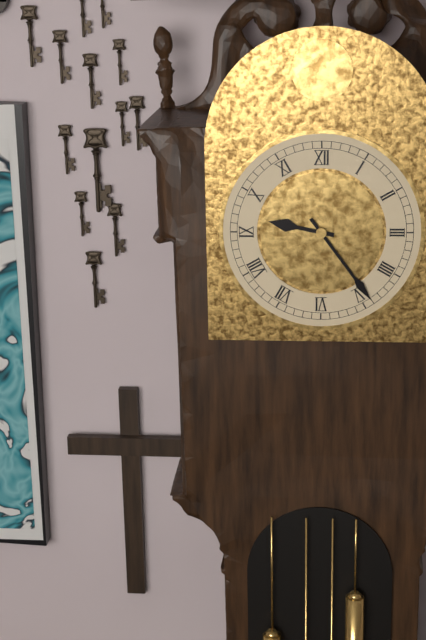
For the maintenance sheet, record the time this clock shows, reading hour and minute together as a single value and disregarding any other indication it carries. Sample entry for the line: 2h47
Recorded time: 9h24
